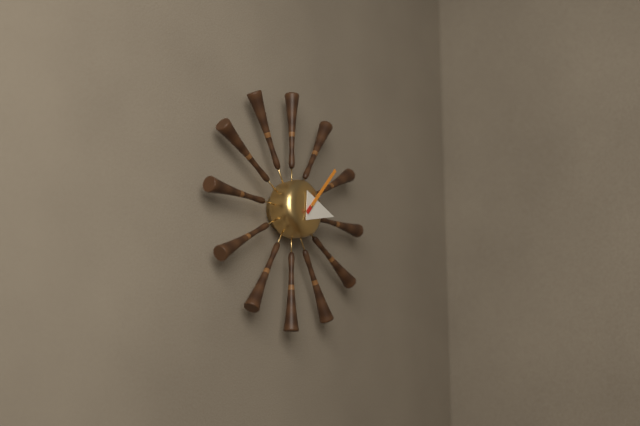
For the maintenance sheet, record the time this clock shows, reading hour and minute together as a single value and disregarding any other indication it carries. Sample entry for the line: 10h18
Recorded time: 3h07
